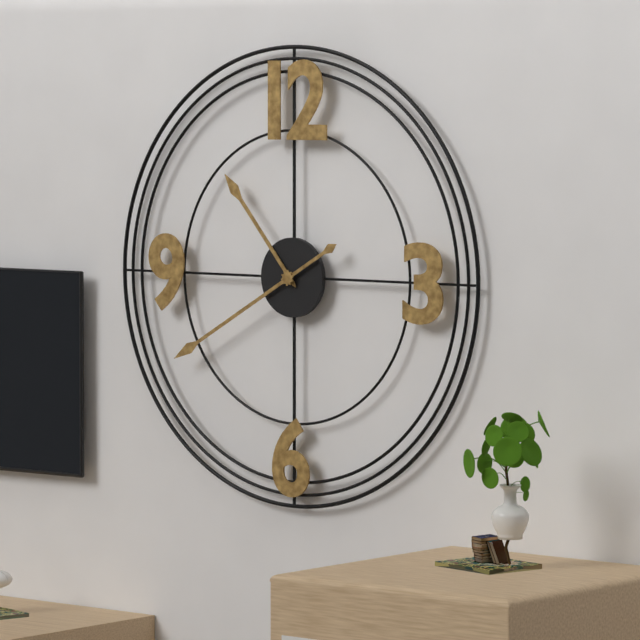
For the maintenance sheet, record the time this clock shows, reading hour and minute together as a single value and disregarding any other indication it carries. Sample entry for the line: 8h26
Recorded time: 10h40
